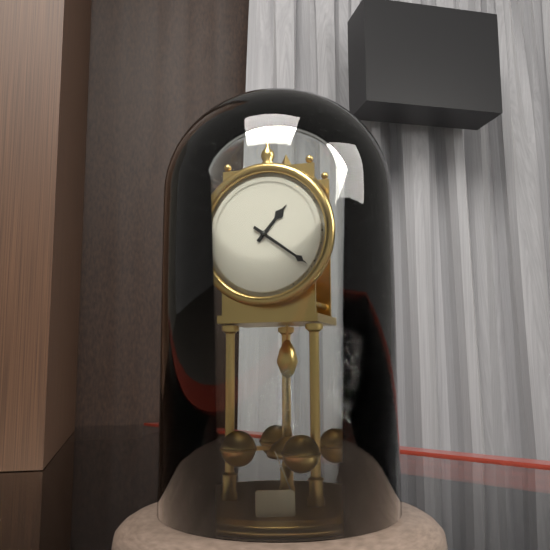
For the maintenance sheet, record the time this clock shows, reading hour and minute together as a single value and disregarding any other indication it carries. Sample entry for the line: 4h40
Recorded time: 1h21
